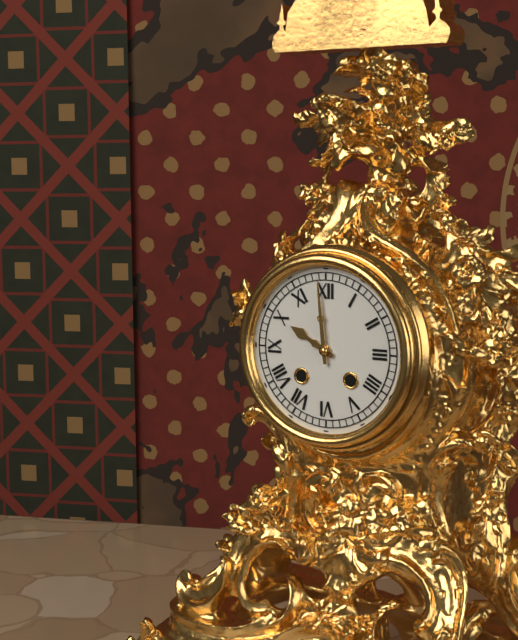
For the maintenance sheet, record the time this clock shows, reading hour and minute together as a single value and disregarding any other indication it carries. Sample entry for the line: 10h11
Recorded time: 9h59
